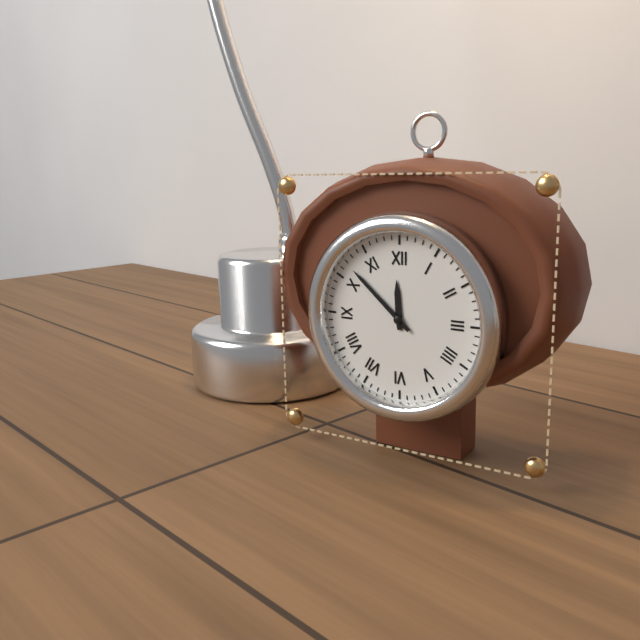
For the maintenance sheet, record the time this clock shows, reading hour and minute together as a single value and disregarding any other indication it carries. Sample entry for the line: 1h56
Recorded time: 11h52
